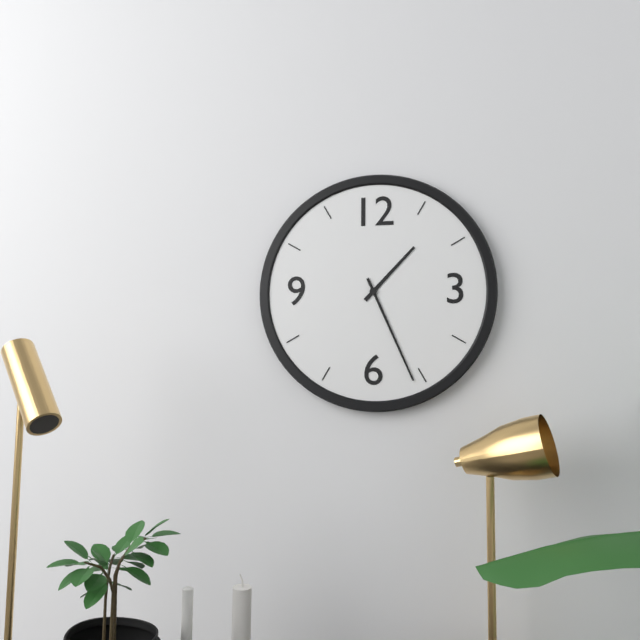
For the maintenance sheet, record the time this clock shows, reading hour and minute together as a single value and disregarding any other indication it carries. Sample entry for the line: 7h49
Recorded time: 1h26
